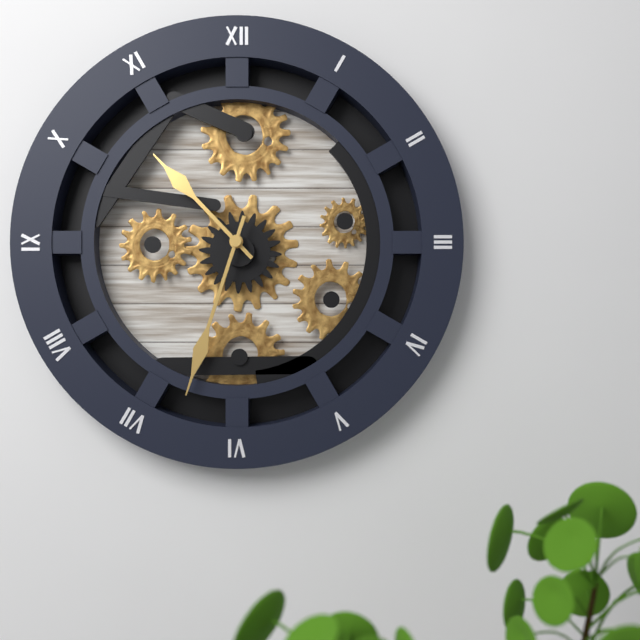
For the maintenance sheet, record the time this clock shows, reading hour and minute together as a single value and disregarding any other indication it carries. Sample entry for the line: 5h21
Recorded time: 10h33
